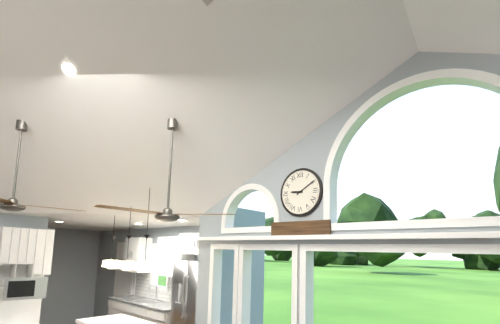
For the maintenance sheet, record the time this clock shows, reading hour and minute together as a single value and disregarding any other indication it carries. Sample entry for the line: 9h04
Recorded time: 9h10
